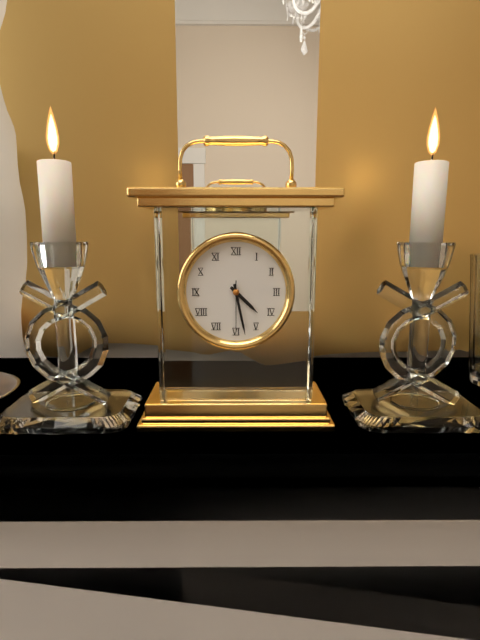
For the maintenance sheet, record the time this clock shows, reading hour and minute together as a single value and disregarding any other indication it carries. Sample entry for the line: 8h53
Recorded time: 4h28
